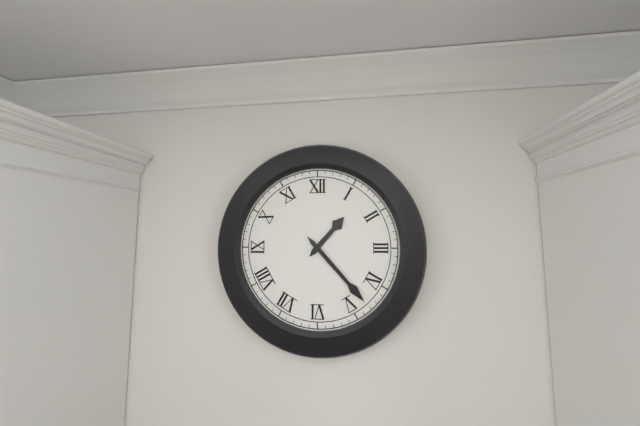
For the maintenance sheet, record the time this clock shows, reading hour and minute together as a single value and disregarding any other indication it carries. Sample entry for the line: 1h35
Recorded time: 1h23
